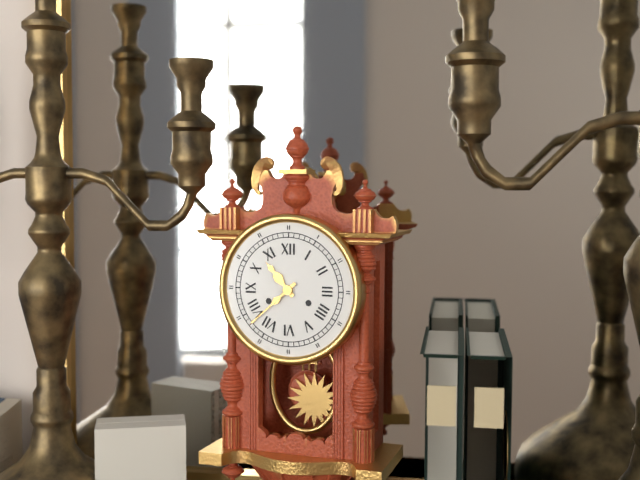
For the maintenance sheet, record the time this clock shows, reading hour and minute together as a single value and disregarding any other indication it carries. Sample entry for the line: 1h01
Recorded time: 10h38
